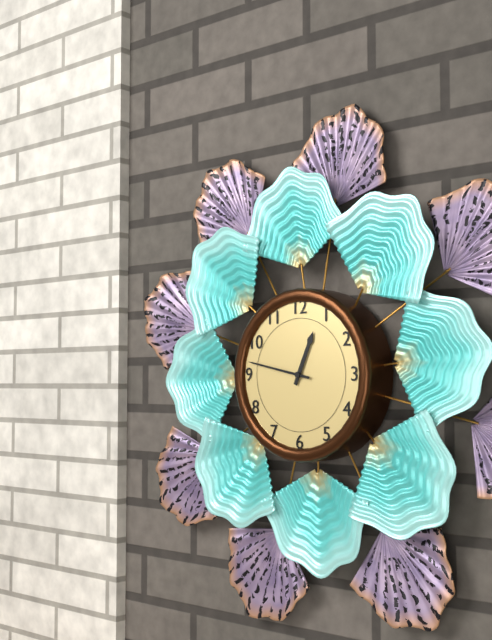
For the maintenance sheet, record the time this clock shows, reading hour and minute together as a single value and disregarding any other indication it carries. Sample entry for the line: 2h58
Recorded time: 12h47
